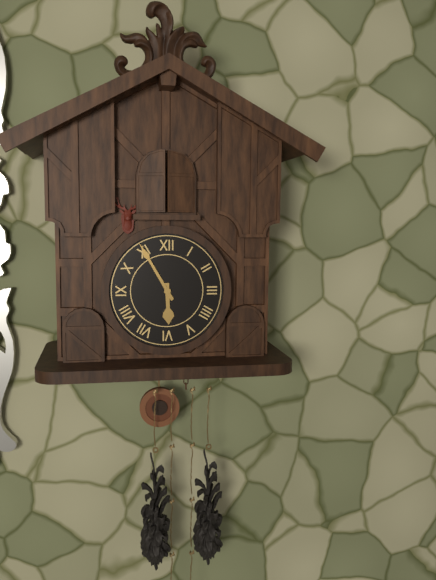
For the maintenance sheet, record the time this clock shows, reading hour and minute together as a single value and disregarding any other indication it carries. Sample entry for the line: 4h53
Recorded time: 5h55
